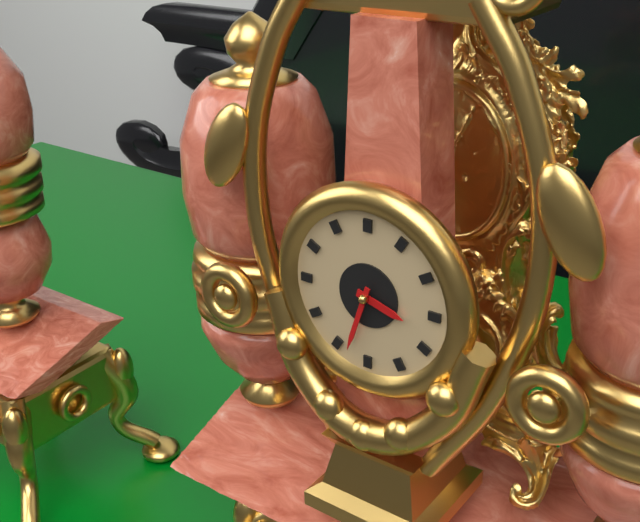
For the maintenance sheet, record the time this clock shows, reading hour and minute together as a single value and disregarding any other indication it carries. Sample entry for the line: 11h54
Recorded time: 3h33
